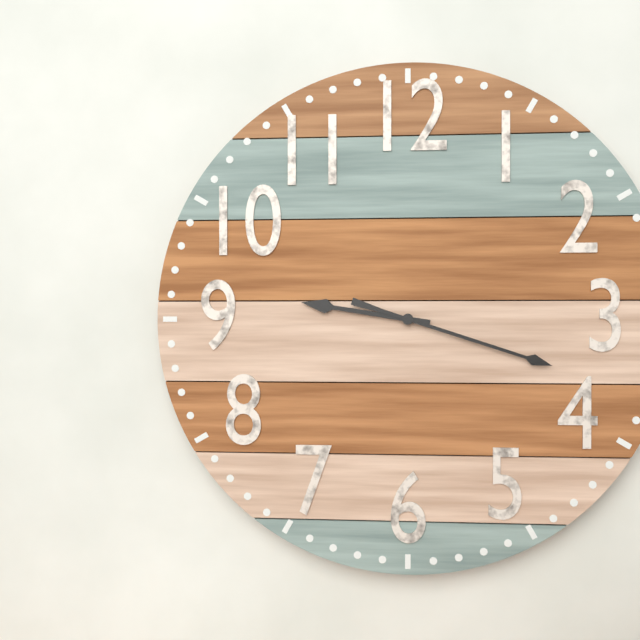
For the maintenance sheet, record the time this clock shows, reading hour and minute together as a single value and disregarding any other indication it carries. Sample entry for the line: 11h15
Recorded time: 9h18
